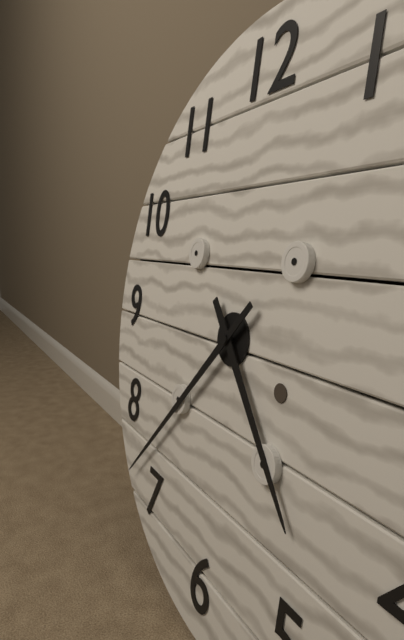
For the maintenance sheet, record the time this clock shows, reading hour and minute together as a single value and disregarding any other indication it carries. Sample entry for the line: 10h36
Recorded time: 4h37
